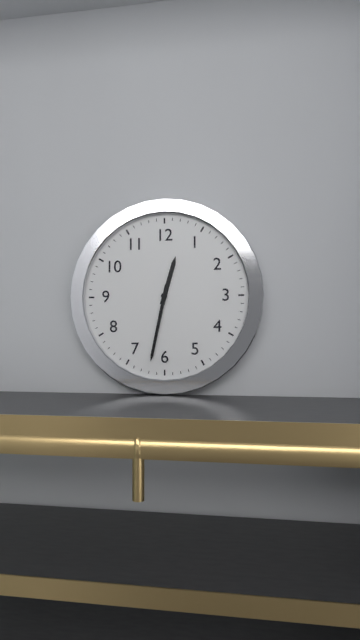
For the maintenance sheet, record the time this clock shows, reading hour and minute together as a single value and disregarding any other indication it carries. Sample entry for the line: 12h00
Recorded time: 12h32
